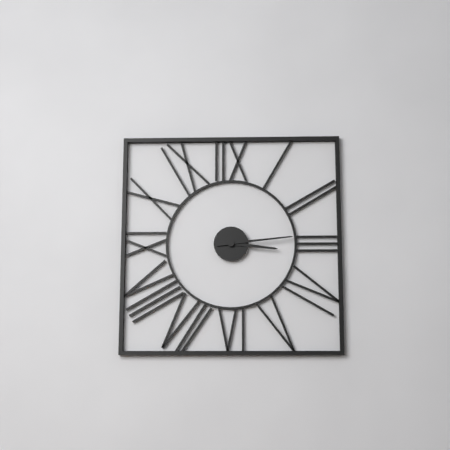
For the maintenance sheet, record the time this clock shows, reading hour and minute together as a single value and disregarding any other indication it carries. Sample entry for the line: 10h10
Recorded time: 3h14
